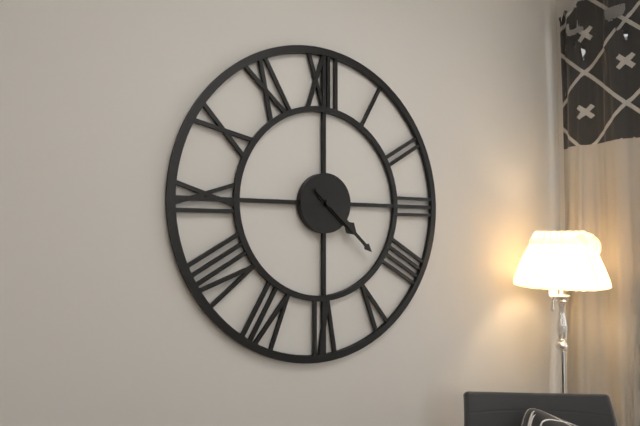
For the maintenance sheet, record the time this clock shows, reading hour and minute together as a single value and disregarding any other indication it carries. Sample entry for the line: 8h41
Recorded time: 4h22
